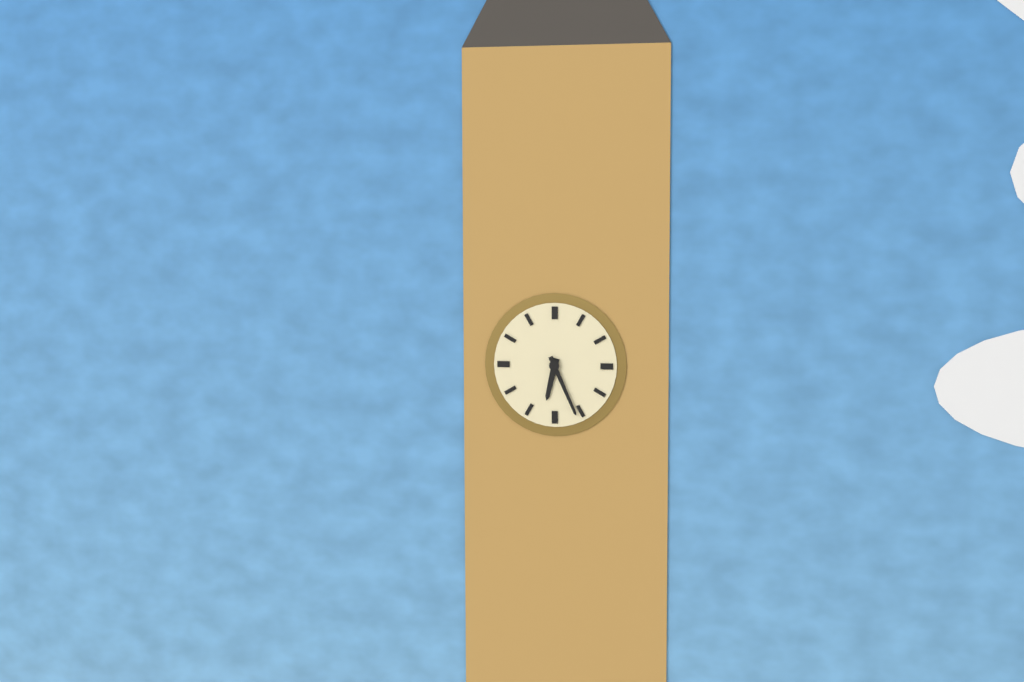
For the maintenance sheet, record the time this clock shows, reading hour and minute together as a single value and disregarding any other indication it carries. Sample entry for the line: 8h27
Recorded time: 6h26
